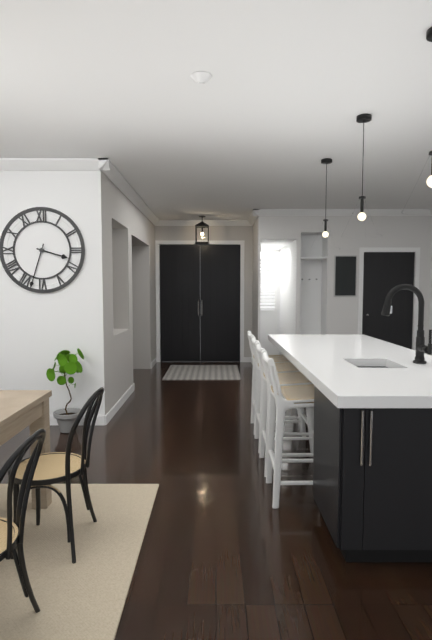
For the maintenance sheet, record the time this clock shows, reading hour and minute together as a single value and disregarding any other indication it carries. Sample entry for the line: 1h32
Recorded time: 3h33
